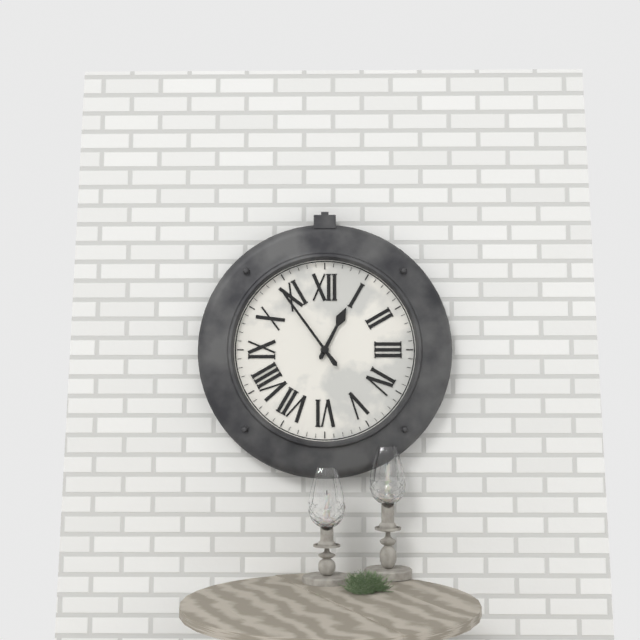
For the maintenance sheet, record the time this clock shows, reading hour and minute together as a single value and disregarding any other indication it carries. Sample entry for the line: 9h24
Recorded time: 12h54
